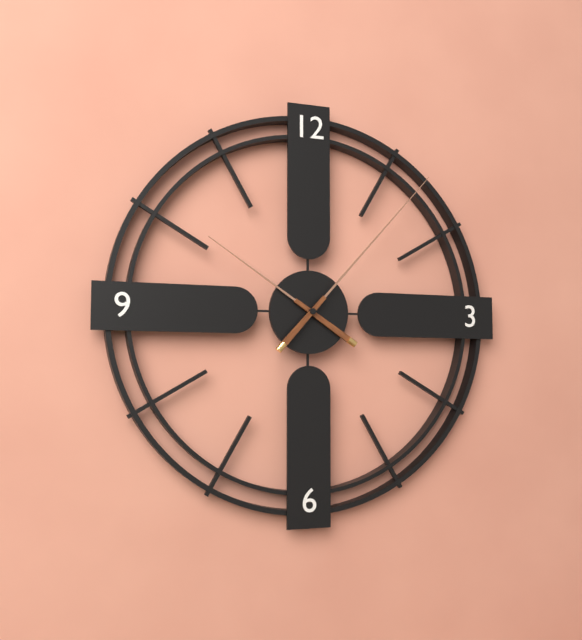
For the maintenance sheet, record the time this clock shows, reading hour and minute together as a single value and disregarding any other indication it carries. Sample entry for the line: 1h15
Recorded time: 10h07
